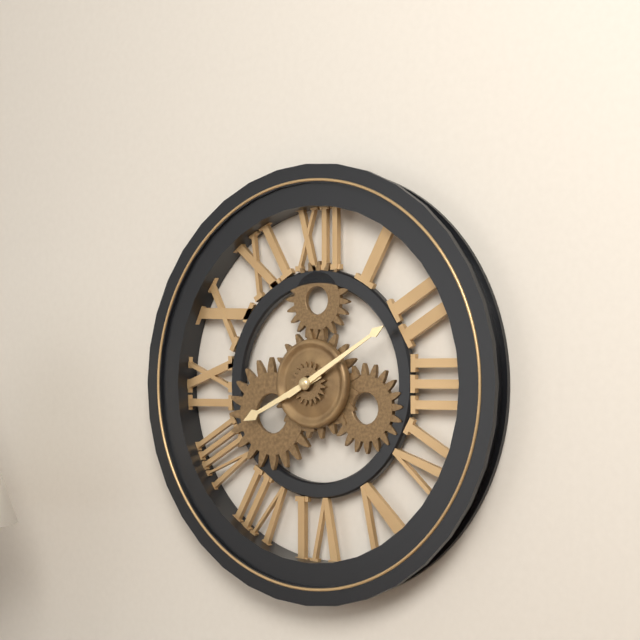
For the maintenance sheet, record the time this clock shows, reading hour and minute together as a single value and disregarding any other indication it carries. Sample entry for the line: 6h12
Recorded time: 8h10
